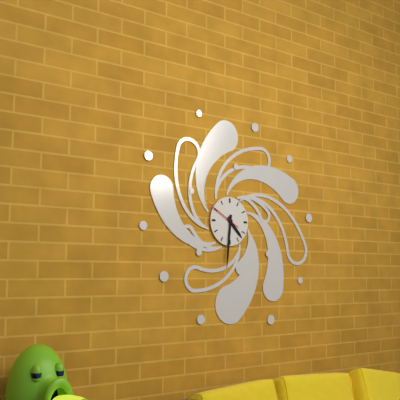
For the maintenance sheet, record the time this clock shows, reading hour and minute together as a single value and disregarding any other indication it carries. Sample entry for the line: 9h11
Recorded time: 4h31
